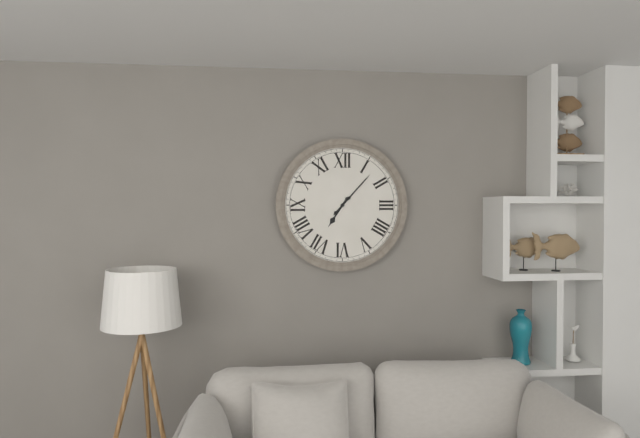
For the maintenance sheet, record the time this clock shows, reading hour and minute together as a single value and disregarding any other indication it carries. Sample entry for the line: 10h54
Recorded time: 7h07
